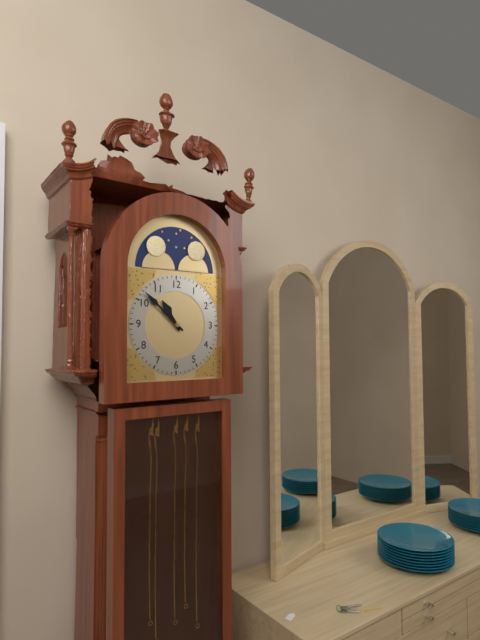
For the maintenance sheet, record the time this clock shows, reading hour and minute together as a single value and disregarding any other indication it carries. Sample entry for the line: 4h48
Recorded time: 10h52
